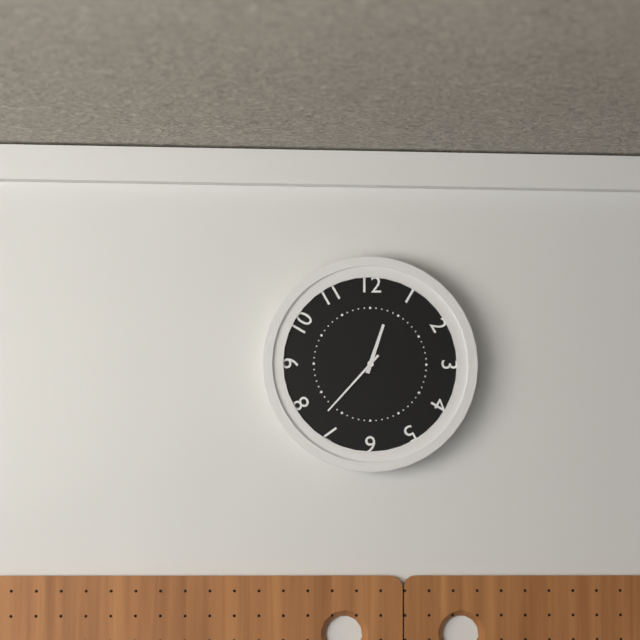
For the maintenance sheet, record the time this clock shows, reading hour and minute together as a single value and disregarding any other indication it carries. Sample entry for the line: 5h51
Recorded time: 12h37
